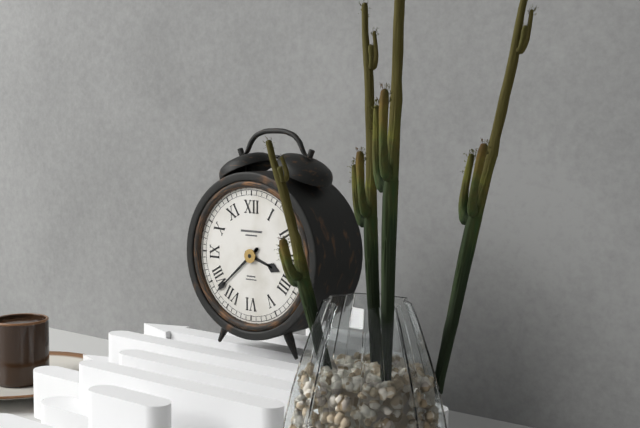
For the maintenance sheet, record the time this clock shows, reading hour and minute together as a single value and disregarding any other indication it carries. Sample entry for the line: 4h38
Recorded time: 3h38
